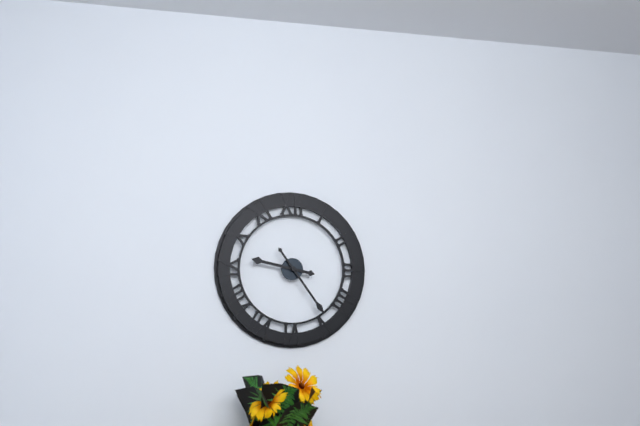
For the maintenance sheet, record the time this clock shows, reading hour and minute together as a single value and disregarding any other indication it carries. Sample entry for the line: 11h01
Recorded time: 9h24
